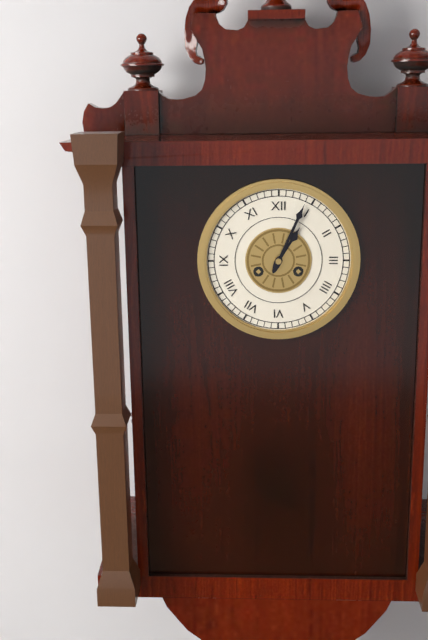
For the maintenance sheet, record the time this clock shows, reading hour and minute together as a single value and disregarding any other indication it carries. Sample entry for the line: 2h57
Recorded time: 1h04
